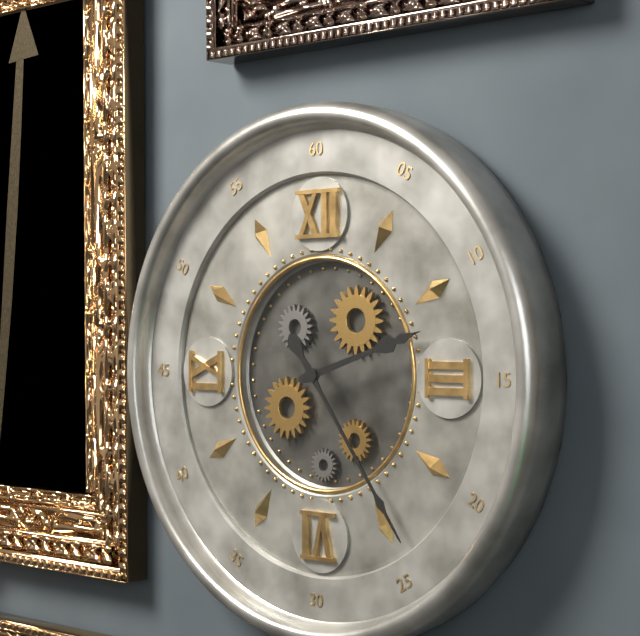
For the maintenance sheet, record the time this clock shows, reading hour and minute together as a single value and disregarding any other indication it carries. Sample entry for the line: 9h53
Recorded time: 2h24
